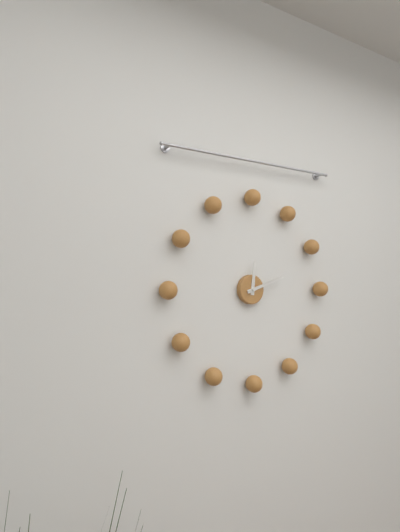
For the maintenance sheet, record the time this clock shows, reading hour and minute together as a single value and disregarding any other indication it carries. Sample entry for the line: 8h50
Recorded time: 12h12
